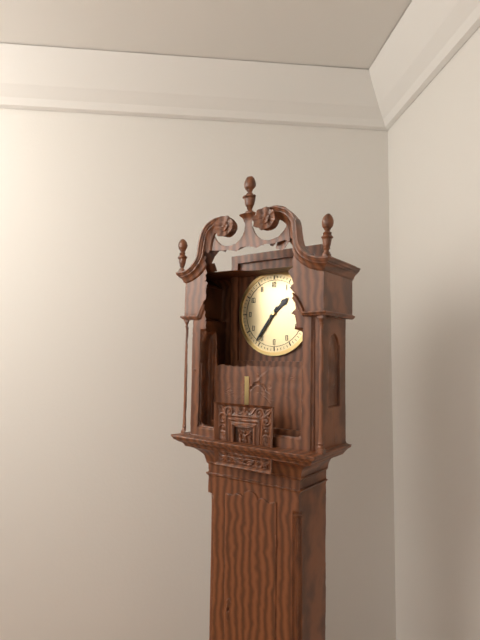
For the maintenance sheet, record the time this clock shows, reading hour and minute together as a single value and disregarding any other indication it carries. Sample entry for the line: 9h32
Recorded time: 1h36
